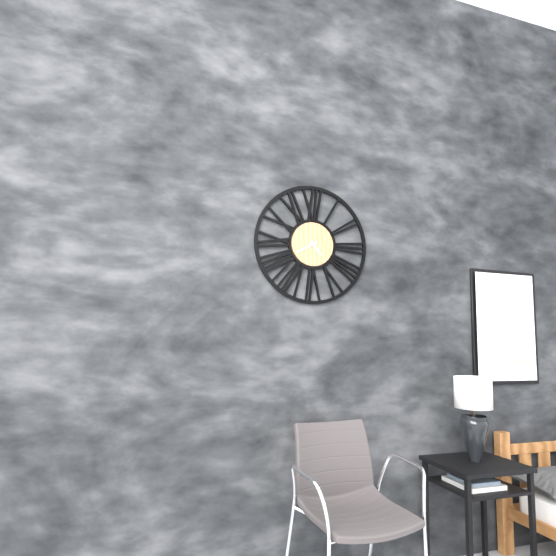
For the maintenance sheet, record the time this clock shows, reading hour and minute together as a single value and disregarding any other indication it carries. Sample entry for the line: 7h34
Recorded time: 4h40
